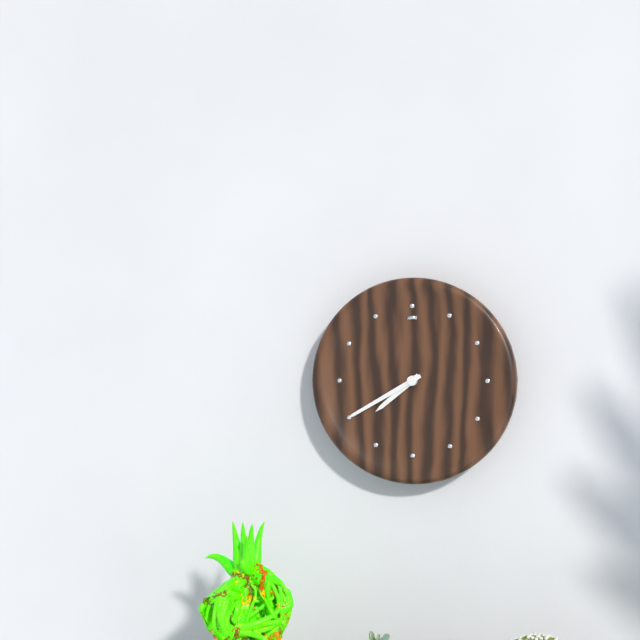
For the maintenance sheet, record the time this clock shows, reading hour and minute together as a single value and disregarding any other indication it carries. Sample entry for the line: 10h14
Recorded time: 7h40
